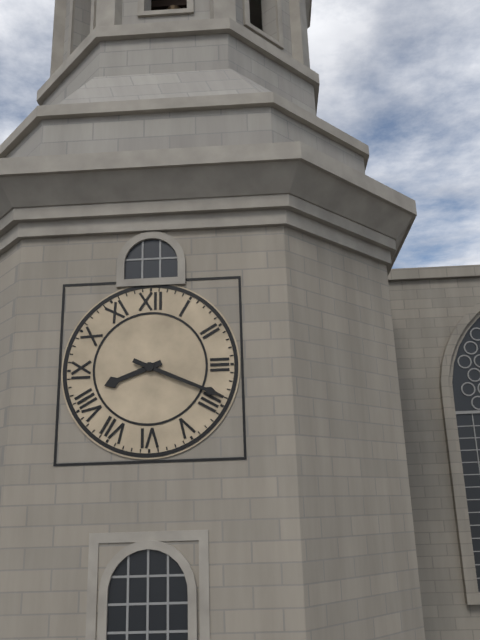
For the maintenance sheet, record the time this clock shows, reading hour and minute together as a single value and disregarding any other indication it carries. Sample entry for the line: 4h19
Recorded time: 8h19
